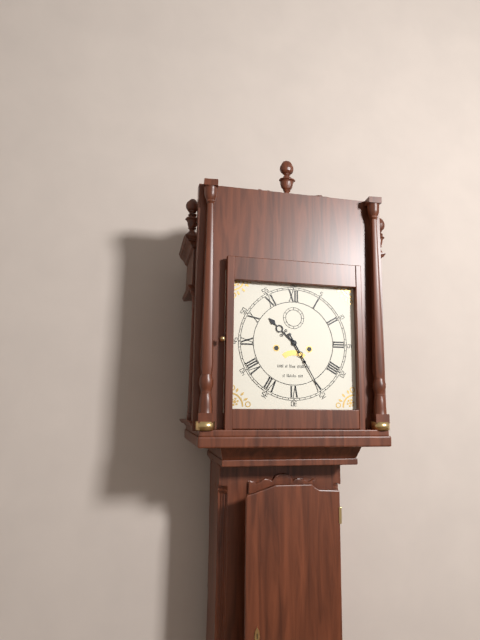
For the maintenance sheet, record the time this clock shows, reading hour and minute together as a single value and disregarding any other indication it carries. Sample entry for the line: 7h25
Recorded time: 10h25
